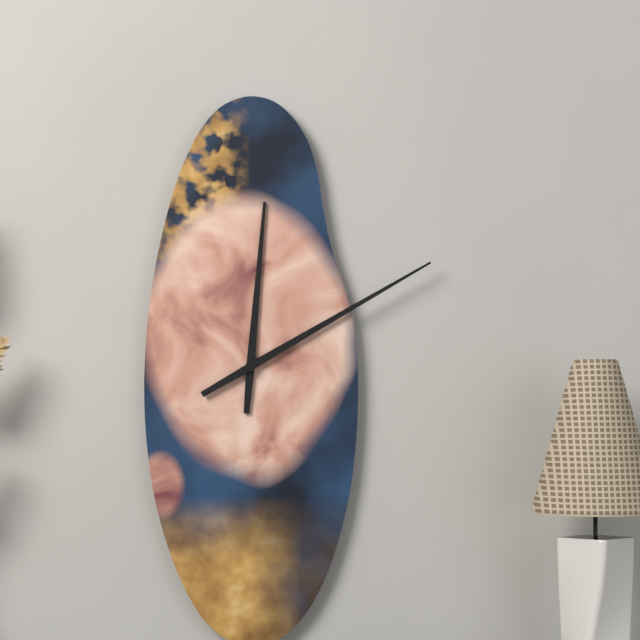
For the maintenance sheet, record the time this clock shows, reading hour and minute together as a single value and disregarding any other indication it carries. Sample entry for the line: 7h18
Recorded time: 12h10
